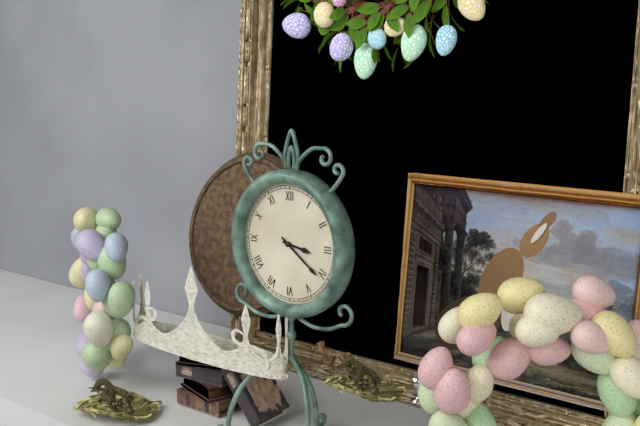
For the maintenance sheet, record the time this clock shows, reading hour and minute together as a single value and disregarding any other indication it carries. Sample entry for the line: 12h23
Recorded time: 3h21
